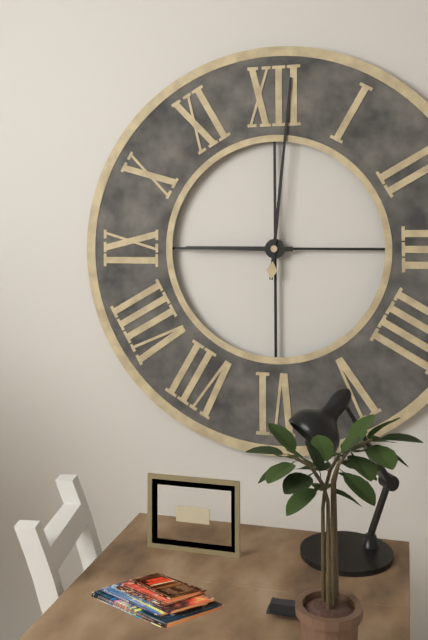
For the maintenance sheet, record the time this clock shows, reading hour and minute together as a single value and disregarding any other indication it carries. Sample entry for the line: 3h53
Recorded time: 9h01
